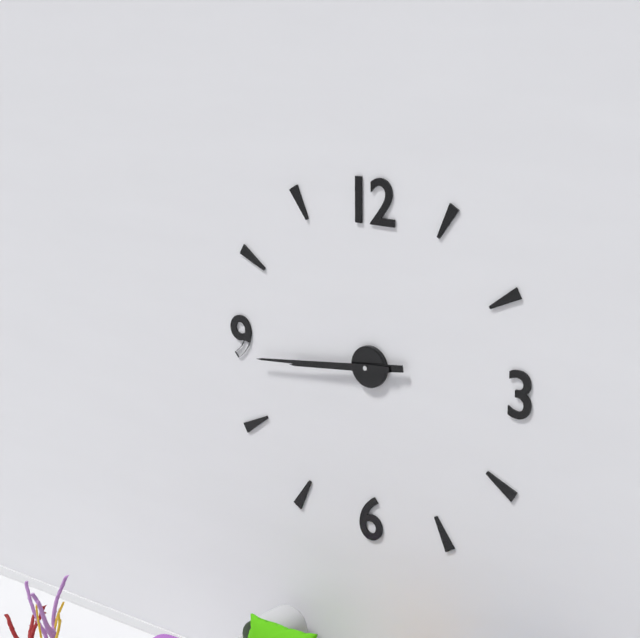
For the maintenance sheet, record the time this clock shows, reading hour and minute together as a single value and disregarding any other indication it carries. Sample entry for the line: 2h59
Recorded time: 8h44
